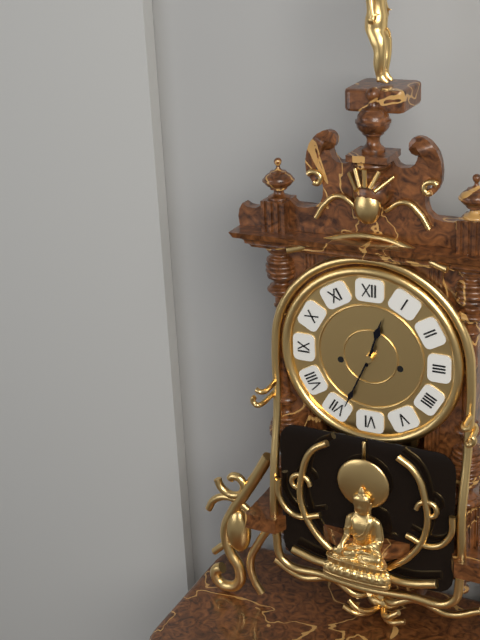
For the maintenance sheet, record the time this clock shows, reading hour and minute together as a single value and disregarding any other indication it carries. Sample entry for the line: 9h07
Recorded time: 12h34
